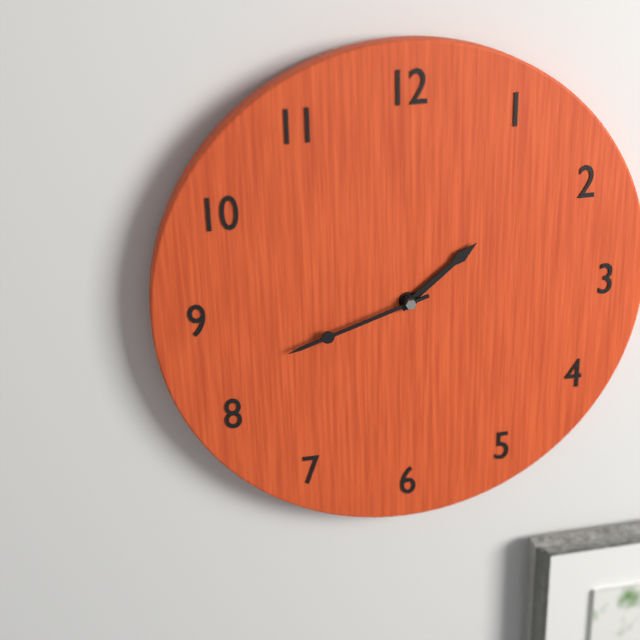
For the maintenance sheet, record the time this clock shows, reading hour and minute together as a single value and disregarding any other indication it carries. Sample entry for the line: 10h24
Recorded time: 1h42
